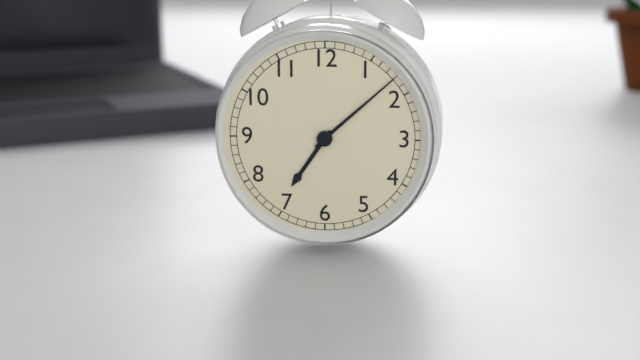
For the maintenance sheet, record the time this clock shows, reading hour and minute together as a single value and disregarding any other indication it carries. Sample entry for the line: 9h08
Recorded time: 7h08
